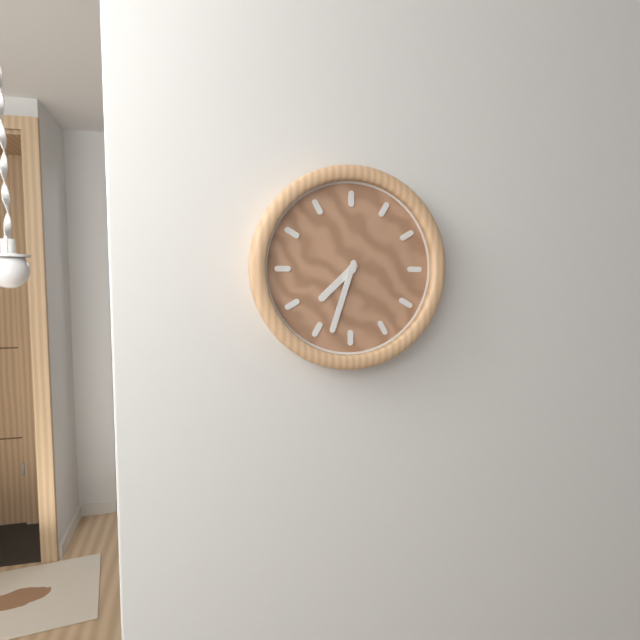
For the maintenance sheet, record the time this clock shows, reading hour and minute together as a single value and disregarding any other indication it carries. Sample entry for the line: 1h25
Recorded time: 7h33
